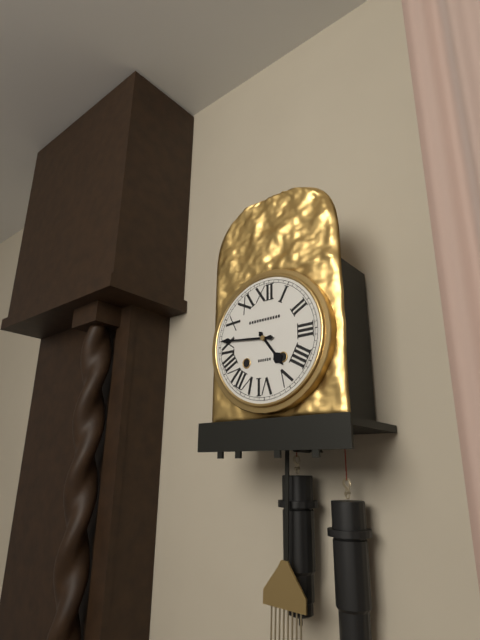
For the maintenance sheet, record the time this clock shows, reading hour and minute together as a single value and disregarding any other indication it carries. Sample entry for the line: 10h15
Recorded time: 4h46
